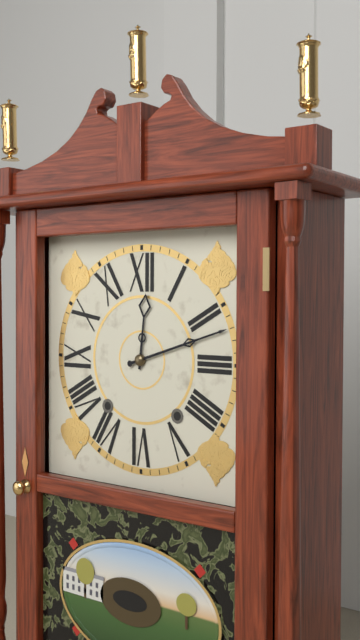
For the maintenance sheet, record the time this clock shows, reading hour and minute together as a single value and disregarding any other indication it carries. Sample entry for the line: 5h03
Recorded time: 12h12
